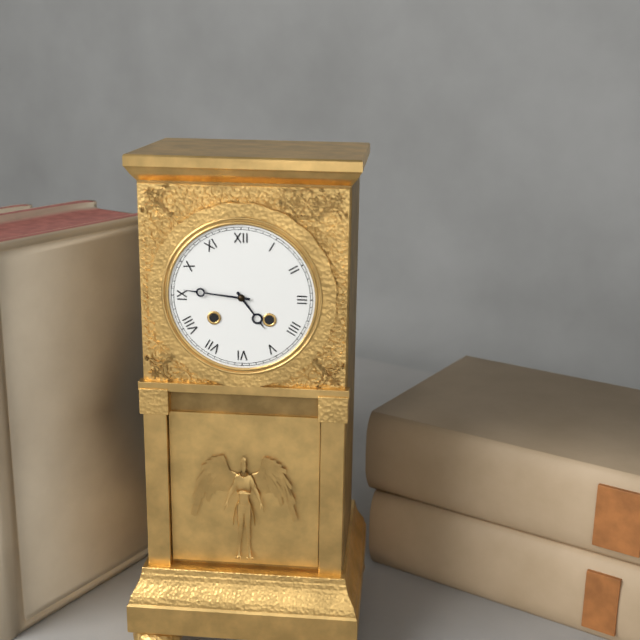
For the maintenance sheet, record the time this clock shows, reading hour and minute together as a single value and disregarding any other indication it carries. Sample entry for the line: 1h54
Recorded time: 4h46
